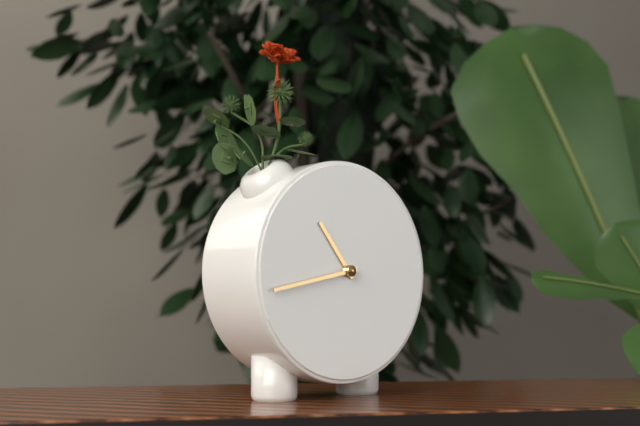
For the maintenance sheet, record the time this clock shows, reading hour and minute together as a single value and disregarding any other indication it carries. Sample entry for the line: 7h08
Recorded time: 10h43
